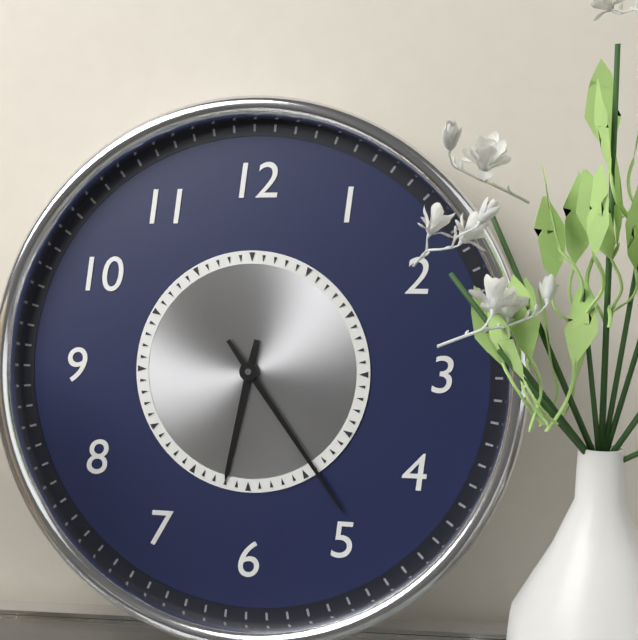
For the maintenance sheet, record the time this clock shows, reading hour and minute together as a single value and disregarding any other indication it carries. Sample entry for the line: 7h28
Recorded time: 6h24
